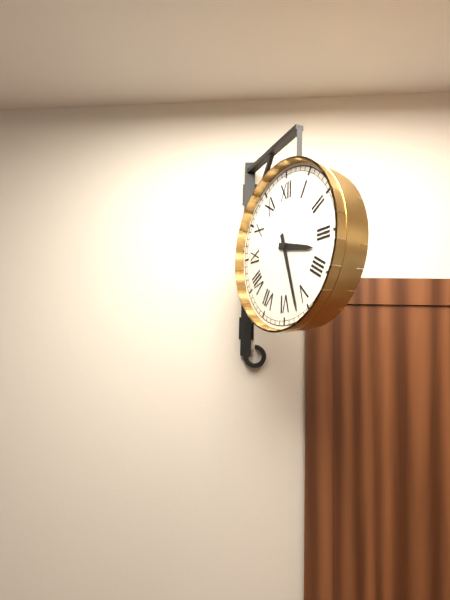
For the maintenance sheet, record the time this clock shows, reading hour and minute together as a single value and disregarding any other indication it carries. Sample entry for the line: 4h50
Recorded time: 3h27
